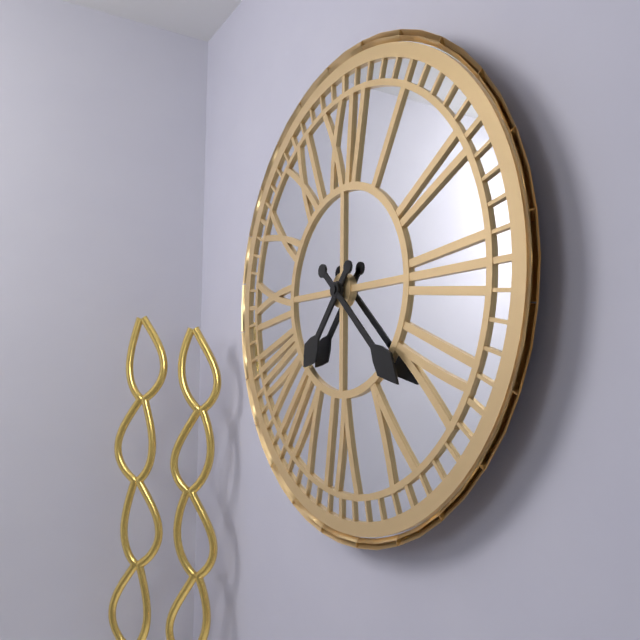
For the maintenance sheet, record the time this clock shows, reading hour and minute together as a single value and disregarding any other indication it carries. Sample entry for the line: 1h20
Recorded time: 7h22
